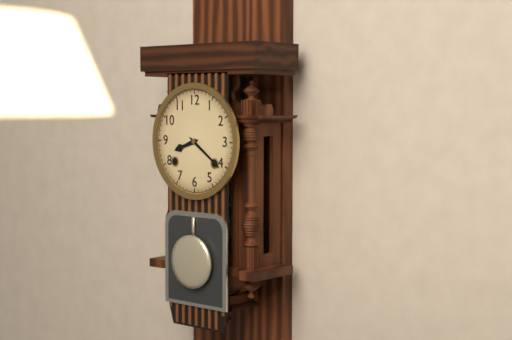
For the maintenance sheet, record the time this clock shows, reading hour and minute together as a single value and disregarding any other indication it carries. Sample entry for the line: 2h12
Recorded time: 8h21
